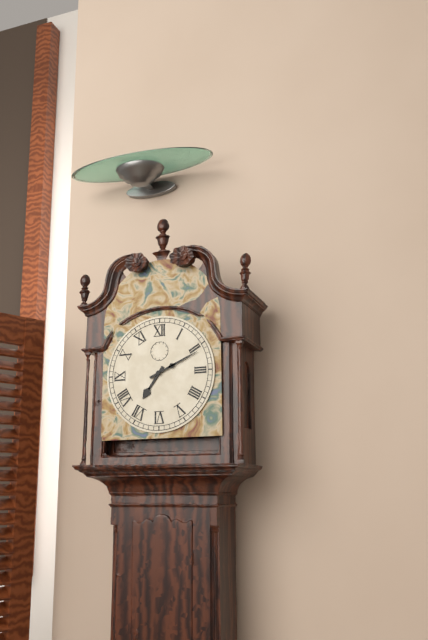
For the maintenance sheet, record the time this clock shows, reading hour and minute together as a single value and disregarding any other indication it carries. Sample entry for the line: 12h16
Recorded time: 7h11
